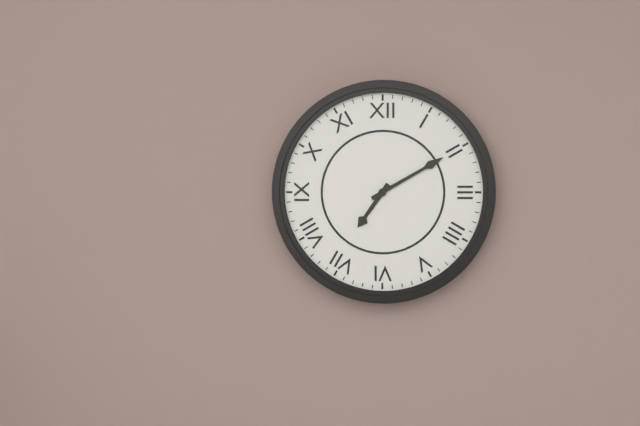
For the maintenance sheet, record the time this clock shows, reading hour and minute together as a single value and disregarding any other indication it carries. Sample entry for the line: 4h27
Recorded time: 7h10
